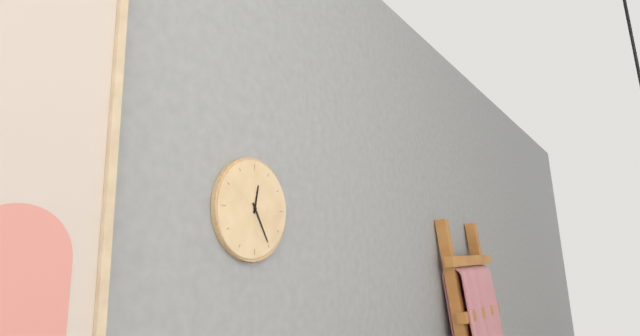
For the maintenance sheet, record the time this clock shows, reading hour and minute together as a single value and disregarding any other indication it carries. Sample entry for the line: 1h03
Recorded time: 12h25
